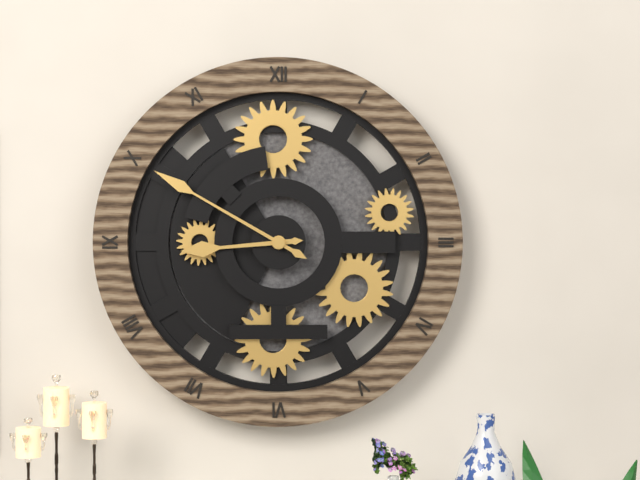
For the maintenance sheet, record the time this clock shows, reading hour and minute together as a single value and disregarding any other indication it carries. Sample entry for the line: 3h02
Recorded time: 8h50
